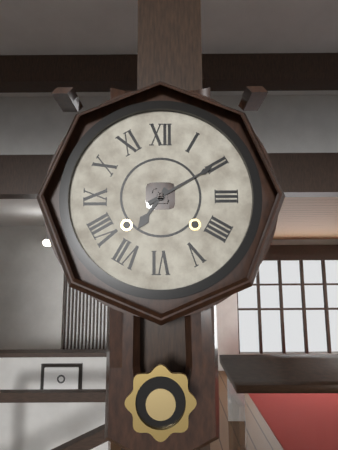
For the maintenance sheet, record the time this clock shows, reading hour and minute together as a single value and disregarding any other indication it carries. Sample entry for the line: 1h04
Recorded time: 7h10
